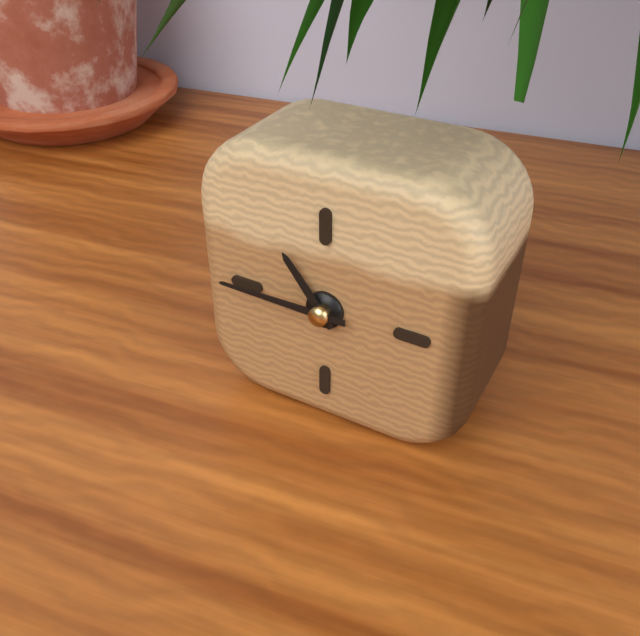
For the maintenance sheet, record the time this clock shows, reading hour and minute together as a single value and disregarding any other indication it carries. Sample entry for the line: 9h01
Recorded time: 10h45
